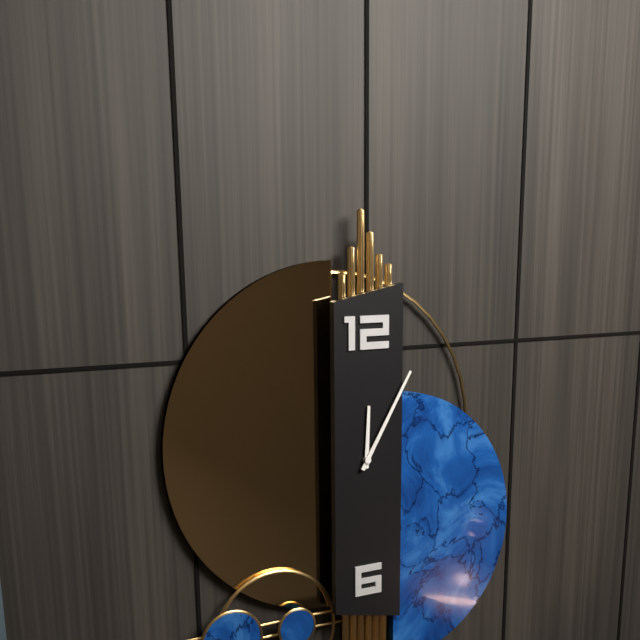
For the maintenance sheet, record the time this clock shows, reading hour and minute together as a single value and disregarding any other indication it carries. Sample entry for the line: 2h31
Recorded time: 12h05
